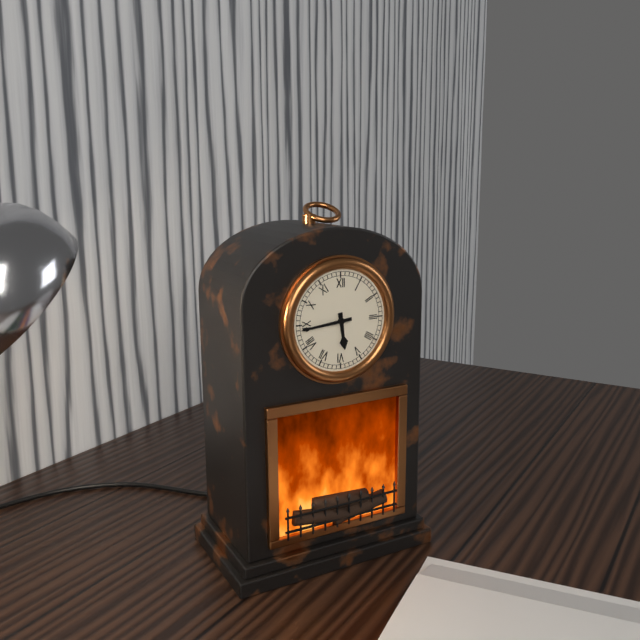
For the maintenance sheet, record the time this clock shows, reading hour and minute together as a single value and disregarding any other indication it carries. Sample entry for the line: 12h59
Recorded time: 5h44
